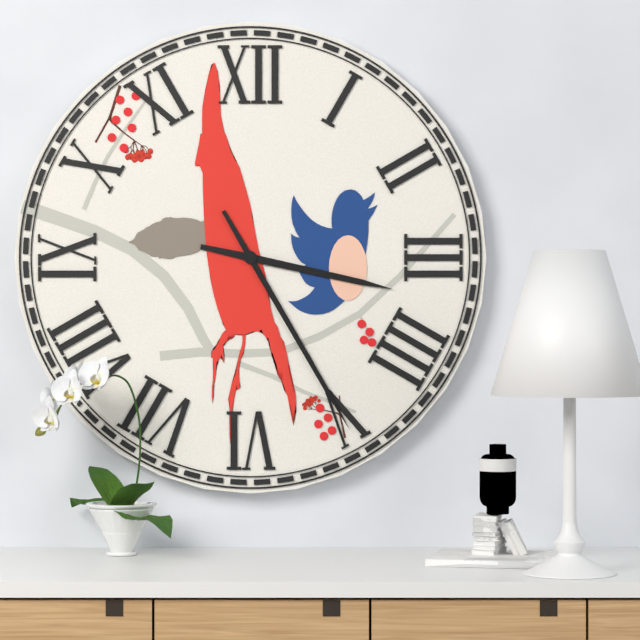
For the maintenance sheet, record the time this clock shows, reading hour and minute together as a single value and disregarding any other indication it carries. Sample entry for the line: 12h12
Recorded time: 3h25
